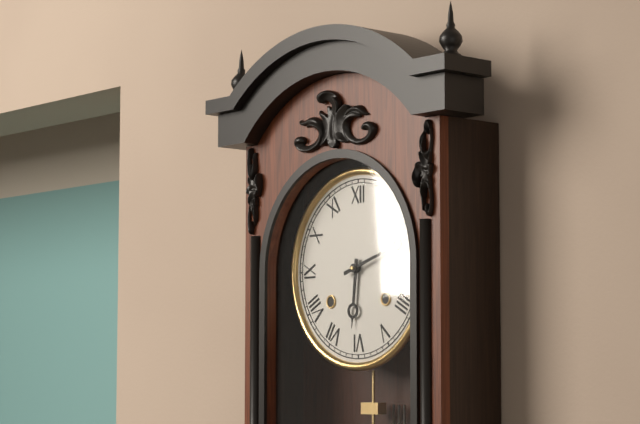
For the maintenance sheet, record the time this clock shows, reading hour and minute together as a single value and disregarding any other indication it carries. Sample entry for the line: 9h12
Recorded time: 6h12
